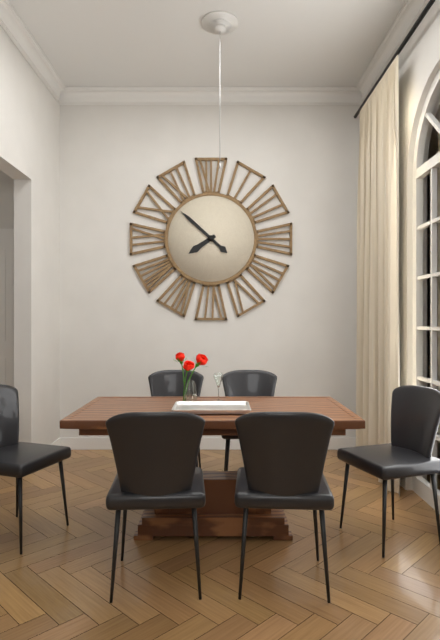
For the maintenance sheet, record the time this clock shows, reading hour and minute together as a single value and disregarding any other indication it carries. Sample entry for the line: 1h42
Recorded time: 7h52
